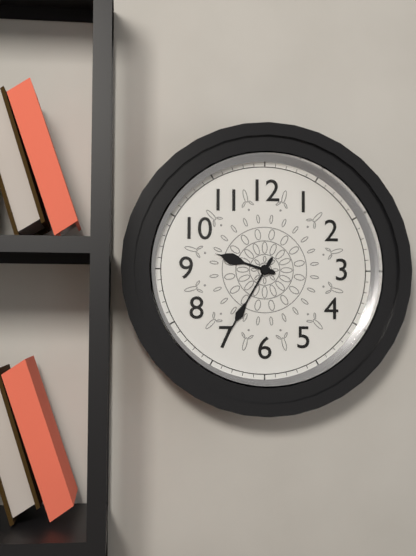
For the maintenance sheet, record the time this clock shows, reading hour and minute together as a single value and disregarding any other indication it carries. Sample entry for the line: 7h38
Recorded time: 9h35
